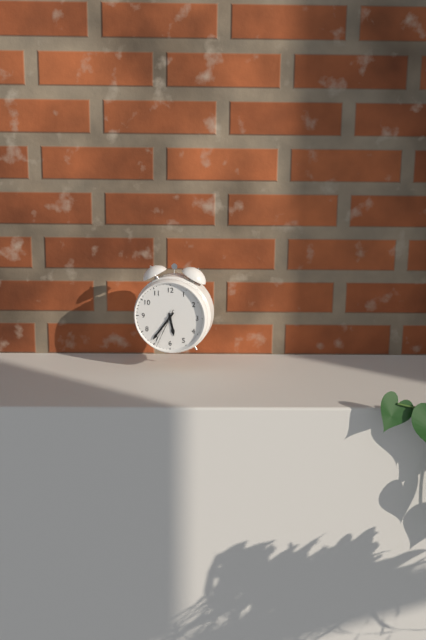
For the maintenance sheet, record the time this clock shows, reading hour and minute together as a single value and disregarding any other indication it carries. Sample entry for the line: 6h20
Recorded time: 5h36
